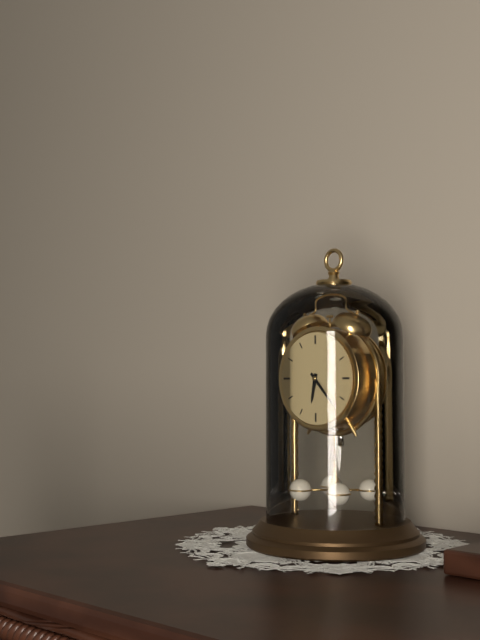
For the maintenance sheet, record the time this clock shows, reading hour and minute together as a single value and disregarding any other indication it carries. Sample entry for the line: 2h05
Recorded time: 6h23
